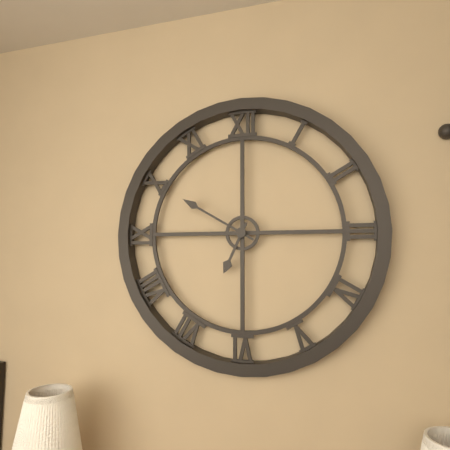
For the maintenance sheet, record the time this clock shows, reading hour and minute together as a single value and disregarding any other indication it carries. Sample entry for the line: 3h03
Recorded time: 6h50
